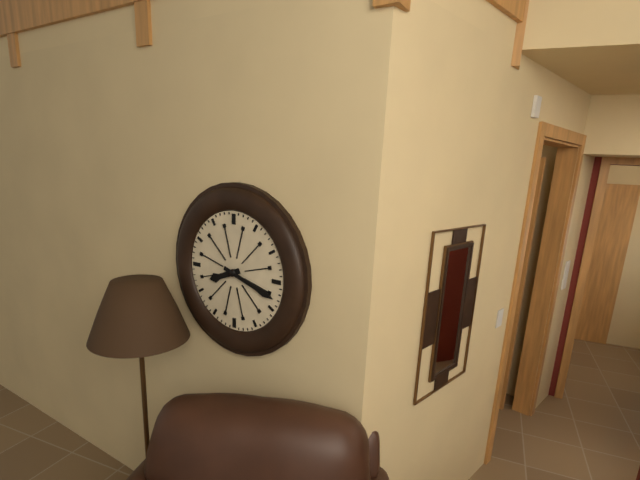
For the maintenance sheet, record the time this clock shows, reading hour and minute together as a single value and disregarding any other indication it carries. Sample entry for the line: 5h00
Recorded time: 8h18
